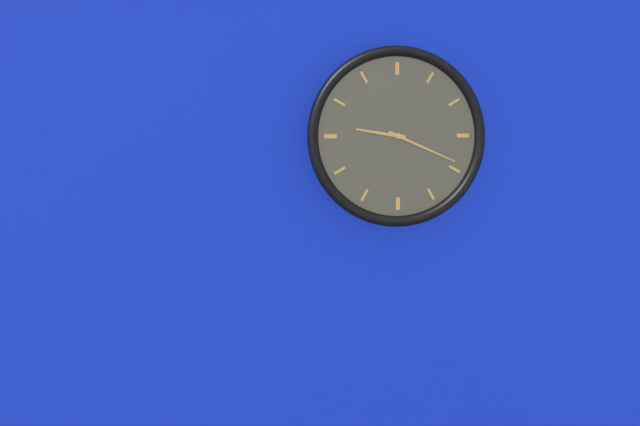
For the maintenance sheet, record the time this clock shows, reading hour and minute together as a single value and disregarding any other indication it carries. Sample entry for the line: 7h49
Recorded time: 9h19
